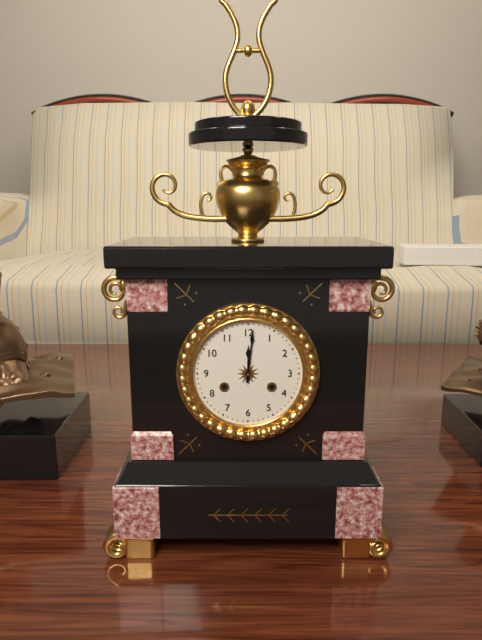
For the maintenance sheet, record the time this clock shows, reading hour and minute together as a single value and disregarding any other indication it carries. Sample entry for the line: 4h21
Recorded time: 12h01
